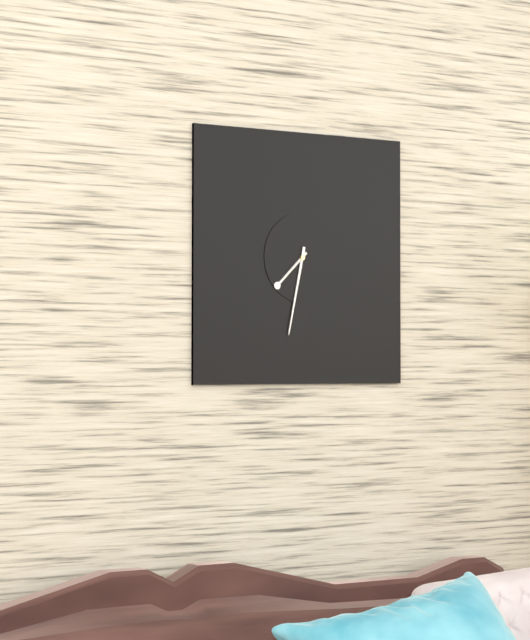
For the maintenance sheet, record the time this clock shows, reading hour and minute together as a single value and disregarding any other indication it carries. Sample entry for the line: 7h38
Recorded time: 7h32
